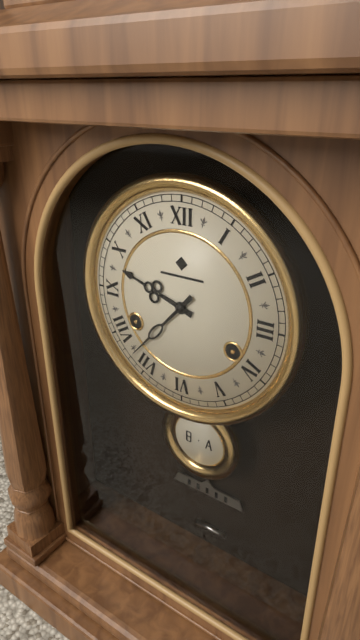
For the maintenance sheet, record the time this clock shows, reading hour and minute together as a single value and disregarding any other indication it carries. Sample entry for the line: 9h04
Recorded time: 9h37
